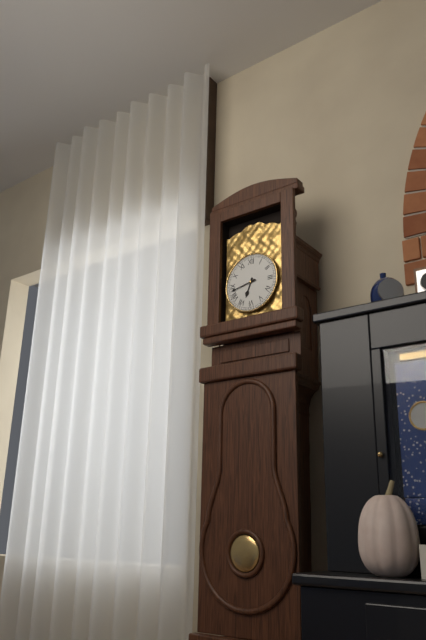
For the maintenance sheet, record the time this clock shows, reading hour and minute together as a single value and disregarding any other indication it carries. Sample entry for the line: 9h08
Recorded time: 6h43
